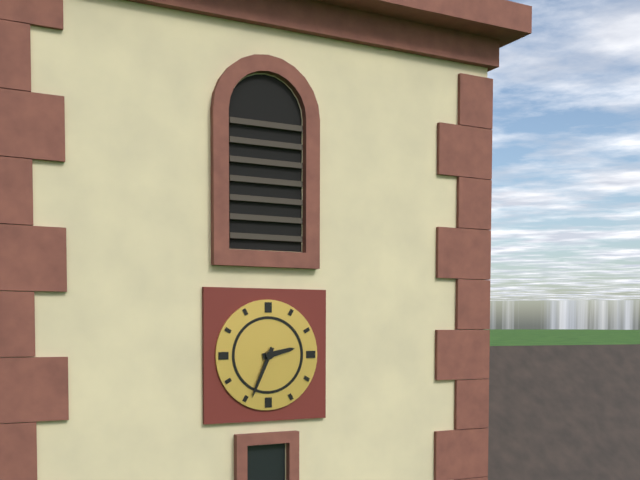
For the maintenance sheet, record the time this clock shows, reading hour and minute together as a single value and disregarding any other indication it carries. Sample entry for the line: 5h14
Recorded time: 2h34
